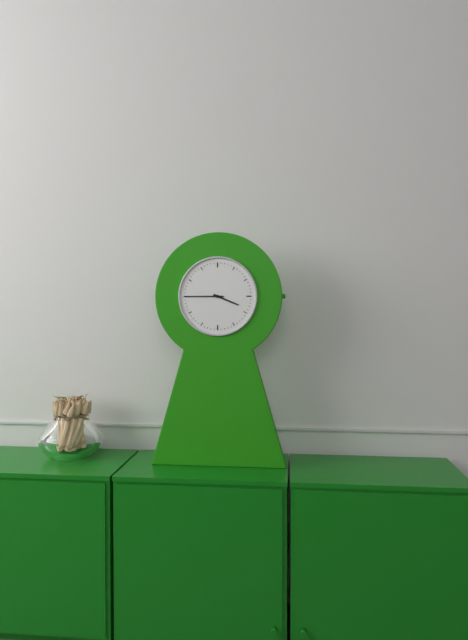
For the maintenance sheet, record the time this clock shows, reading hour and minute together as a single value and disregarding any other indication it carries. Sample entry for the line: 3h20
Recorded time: 3h45
